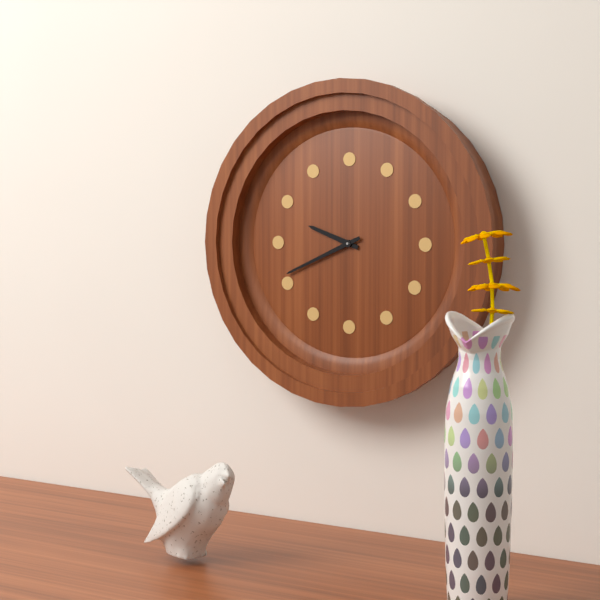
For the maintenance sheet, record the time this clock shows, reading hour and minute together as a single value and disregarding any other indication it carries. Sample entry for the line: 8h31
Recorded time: 9h41
